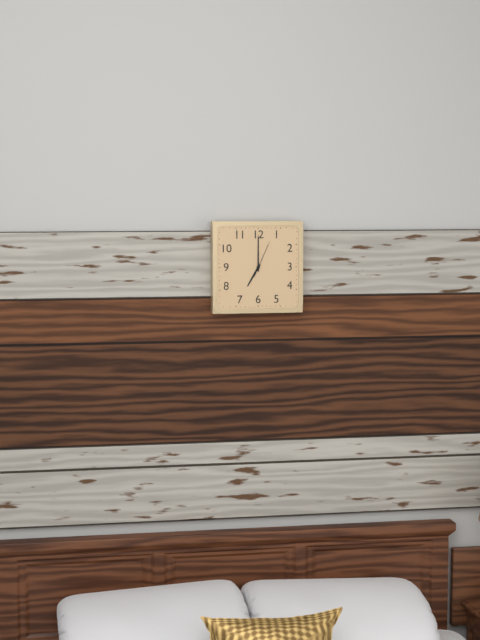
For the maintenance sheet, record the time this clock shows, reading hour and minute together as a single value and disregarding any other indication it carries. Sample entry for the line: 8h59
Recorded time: 7h00
